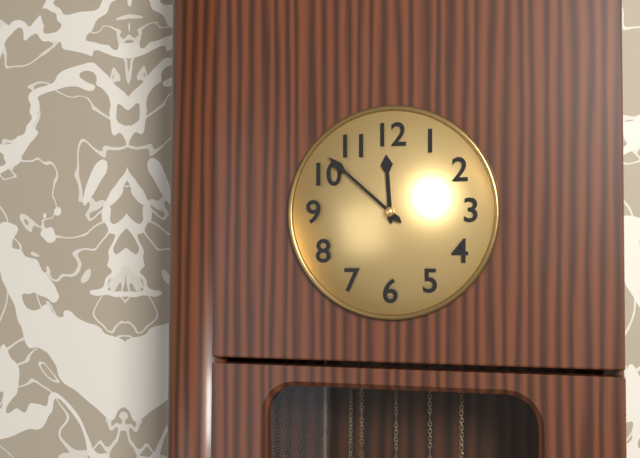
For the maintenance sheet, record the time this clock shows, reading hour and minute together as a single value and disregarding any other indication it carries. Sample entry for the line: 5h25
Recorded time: 11h52
